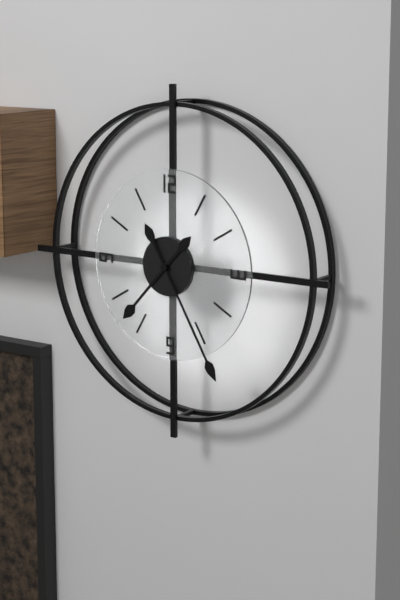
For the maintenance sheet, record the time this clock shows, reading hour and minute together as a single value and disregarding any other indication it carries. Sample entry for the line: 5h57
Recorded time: 7h25
